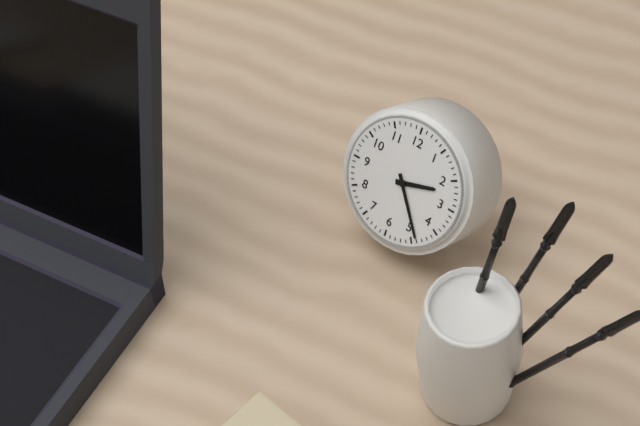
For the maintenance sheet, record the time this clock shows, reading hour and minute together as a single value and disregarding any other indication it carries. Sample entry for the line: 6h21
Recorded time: 2h24
